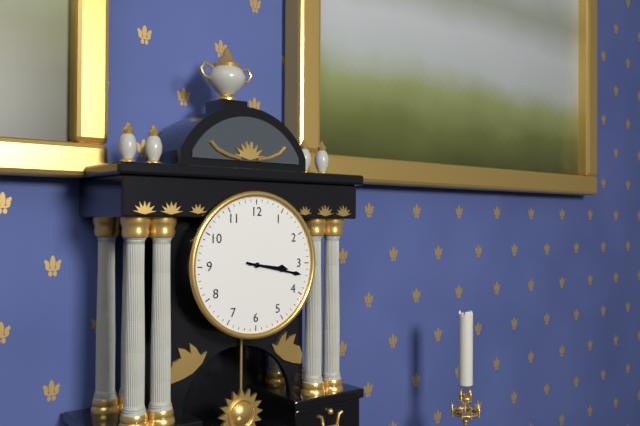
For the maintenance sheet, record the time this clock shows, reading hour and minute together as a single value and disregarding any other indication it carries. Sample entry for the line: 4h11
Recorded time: 3h17
